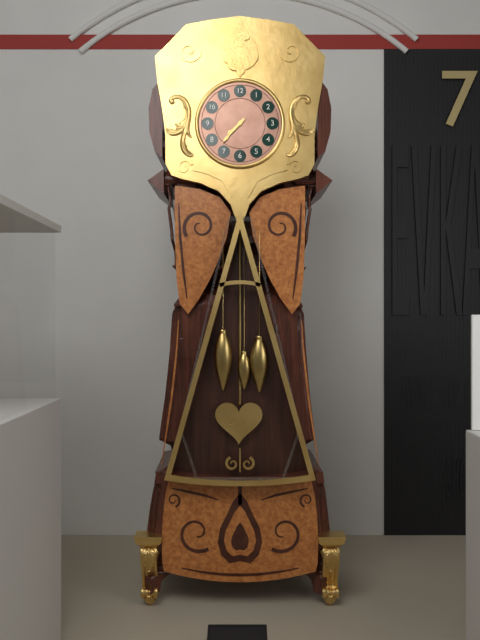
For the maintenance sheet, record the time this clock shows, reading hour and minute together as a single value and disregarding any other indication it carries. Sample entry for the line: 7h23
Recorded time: 7h37
